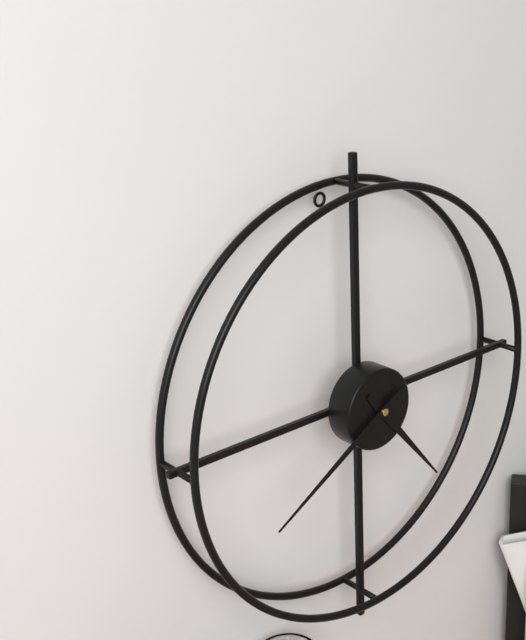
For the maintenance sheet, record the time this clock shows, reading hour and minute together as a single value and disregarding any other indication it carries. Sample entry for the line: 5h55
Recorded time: 4h40
